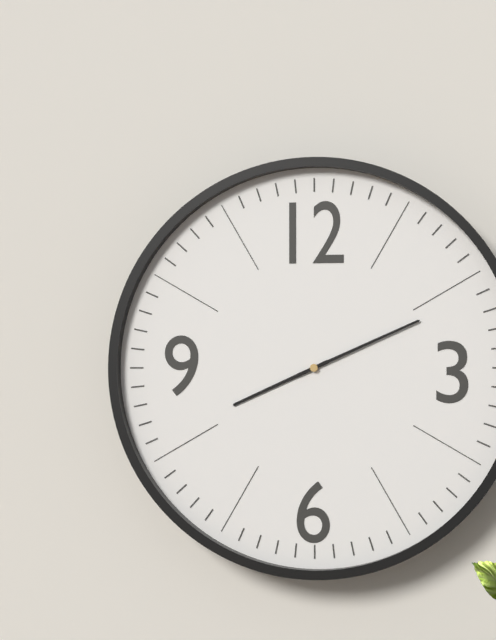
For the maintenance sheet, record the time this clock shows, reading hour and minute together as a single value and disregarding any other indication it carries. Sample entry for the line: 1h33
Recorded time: 8h11
